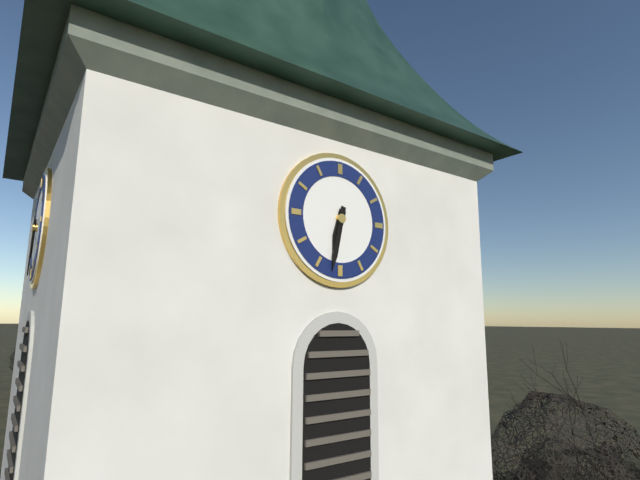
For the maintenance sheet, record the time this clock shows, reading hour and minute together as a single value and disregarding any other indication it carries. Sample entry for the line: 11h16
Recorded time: 6h32
